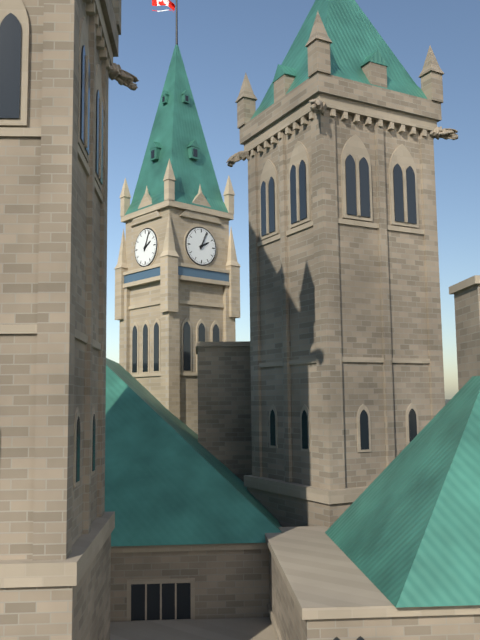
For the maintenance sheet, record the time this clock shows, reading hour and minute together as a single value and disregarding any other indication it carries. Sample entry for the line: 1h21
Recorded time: 2h04
